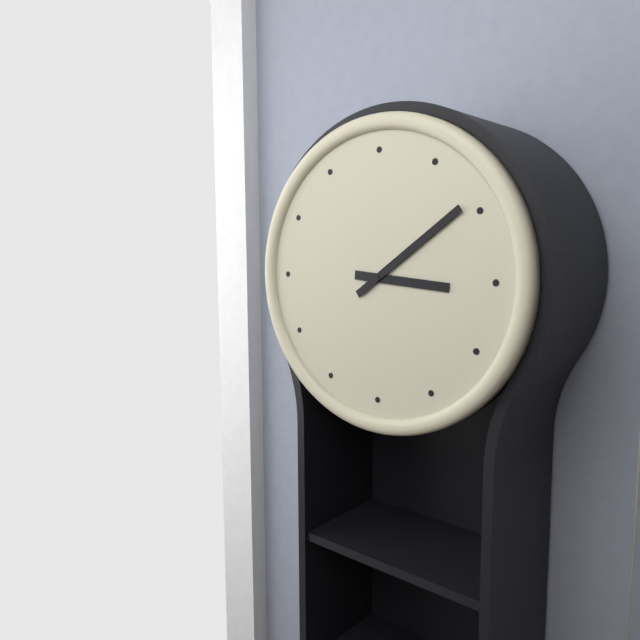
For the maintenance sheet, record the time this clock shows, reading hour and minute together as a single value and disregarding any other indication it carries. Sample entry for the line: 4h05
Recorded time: 3h09
